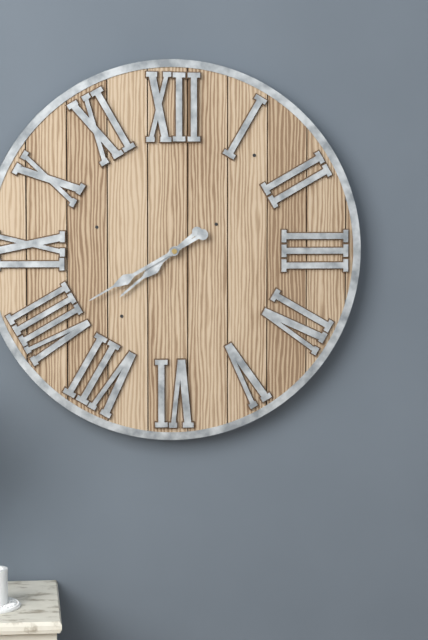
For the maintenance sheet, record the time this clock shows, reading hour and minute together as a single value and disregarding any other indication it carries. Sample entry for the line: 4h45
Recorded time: 7h40
